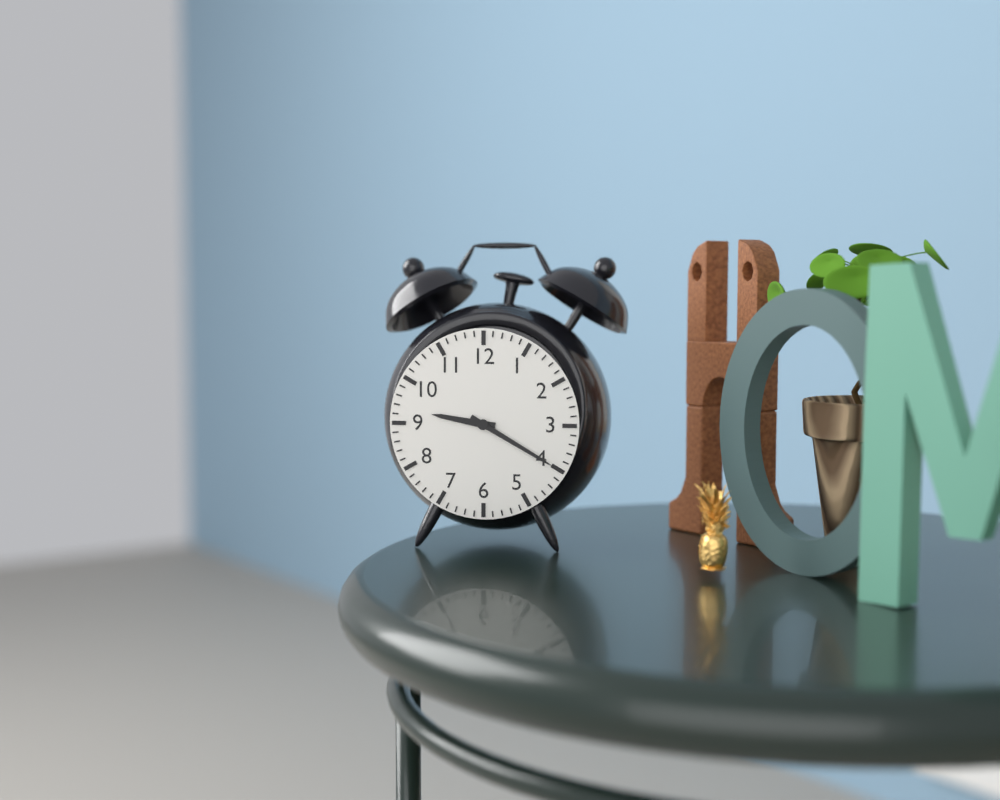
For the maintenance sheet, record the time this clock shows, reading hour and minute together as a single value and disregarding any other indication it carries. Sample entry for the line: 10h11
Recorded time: 9h20
